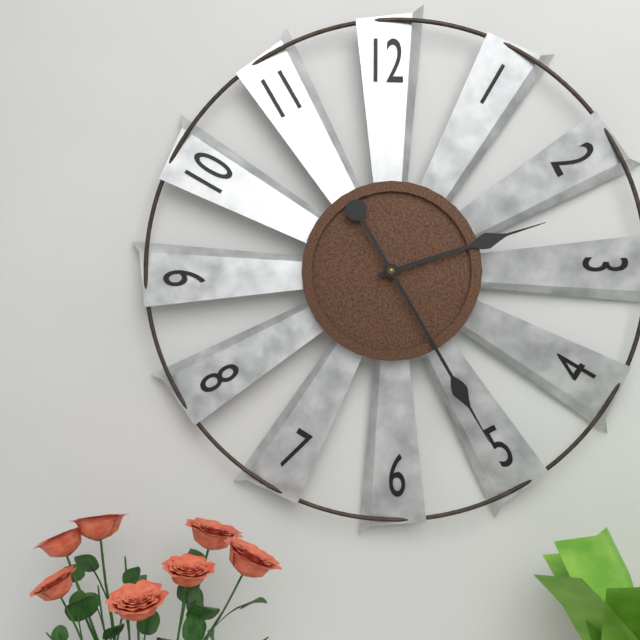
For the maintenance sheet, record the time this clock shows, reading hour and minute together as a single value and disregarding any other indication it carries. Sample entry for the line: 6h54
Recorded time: 2h25
